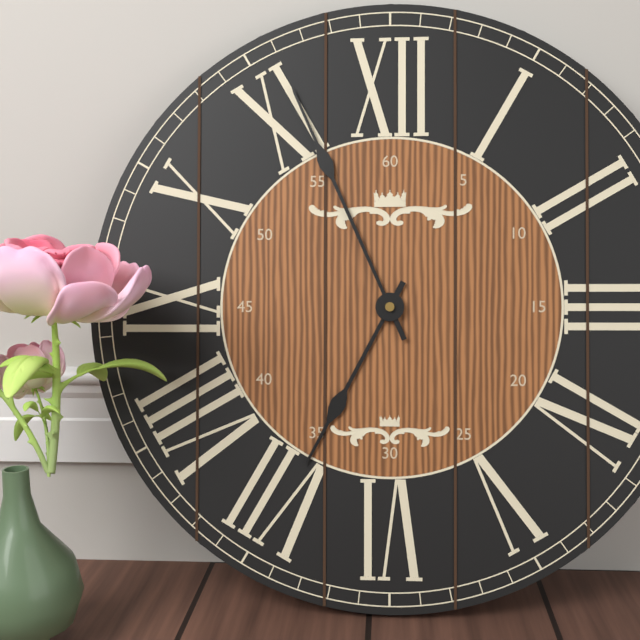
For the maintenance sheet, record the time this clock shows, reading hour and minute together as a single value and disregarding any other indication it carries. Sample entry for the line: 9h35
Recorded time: 6h56
